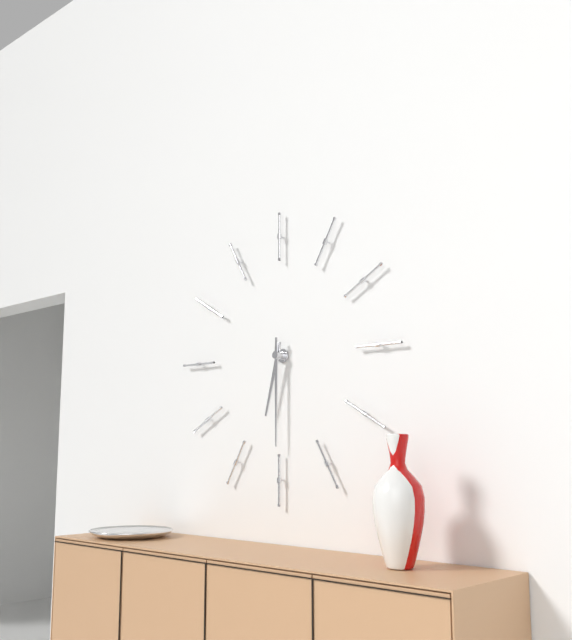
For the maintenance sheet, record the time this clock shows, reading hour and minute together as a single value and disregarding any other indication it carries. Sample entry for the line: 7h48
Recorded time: 6h30
